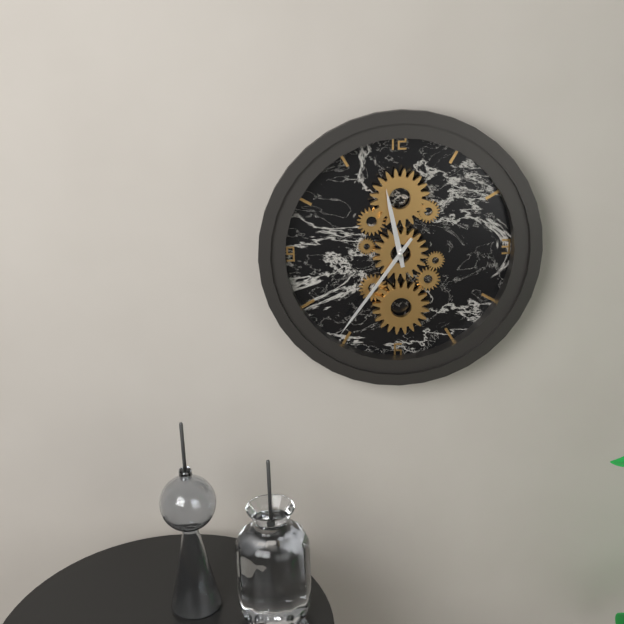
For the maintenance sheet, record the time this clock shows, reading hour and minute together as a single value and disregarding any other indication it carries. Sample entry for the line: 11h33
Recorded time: 11h36
